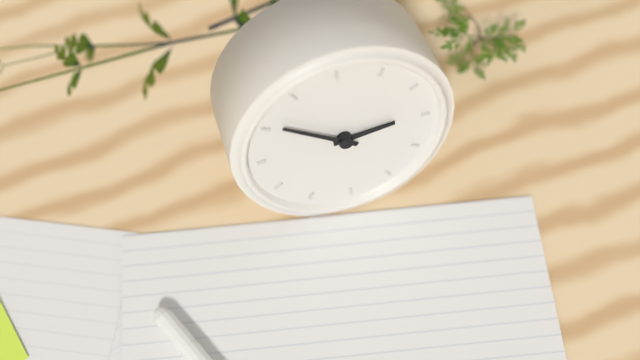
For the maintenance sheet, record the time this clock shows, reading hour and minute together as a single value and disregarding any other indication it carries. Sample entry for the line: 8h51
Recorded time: 2h51
